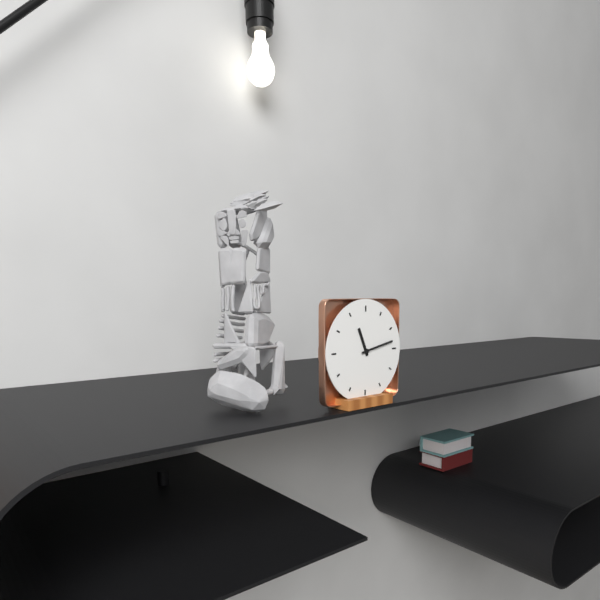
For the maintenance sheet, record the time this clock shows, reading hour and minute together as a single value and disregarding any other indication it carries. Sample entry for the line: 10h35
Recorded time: 11h13
